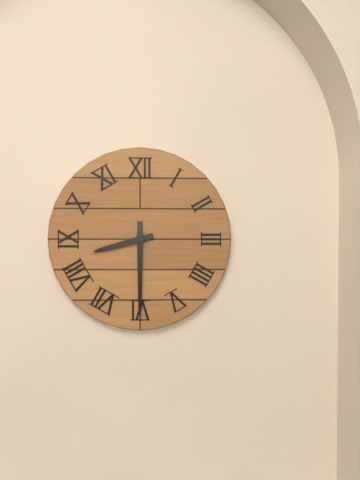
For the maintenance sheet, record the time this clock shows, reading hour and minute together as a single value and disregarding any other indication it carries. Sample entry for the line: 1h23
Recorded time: 8h30
